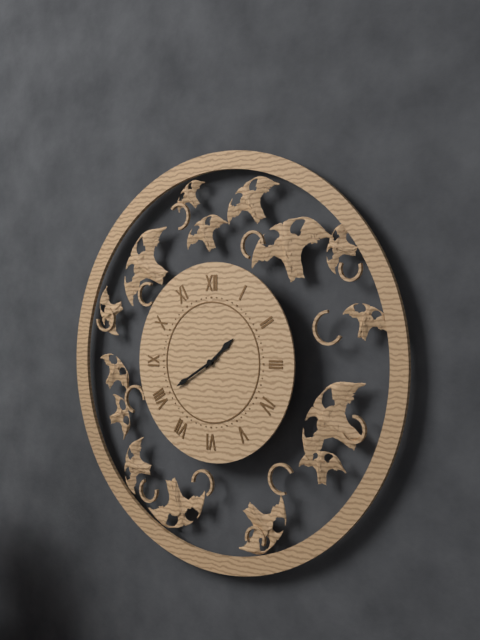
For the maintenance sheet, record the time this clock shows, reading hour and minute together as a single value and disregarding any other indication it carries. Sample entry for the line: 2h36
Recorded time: 1h40
